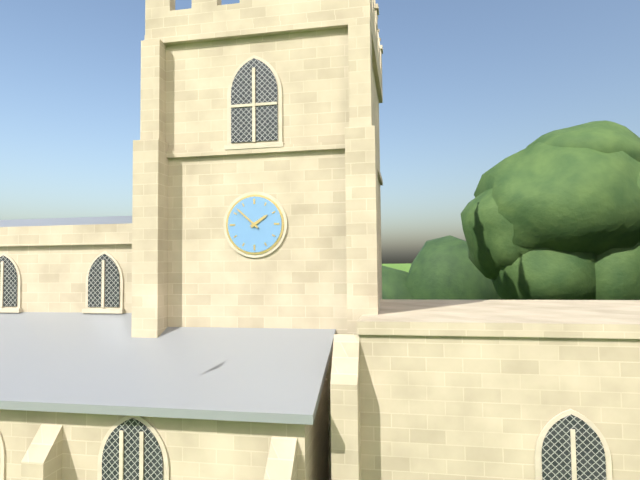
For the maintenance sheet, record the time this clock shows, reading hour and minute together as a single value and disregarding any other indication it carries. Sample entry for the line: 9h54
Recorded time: 1h52
